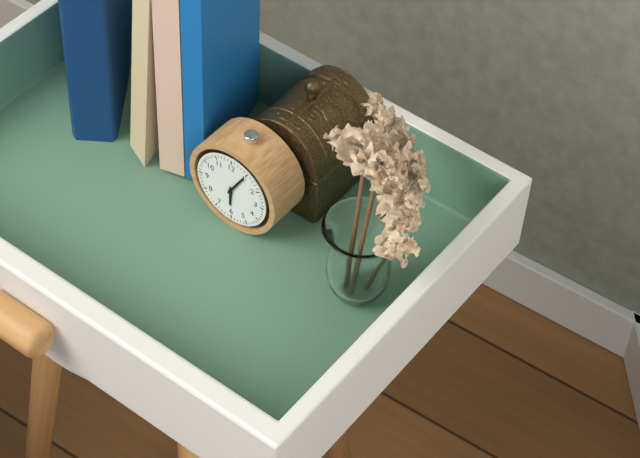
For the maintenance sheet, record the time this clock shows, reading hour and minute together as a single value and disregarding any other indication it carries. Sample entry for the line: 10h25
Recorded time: 6h05
